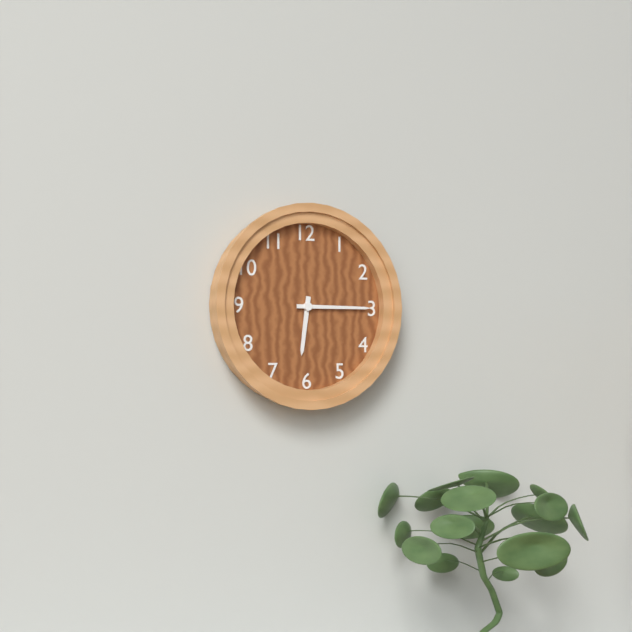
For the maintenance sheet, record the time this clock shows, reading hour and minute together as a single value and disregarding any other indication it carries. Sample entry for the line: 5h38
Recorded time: 6h15
